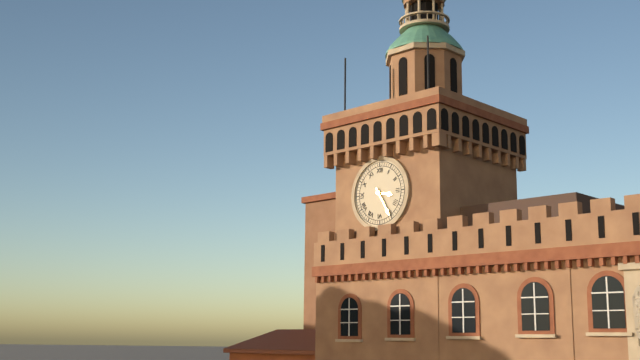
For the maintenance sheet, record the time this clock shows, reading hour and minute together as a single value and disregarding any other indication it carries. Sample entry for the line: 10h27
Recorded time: 3h25
